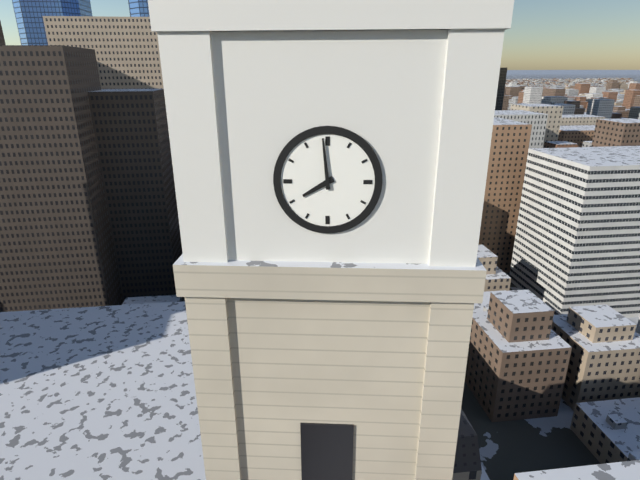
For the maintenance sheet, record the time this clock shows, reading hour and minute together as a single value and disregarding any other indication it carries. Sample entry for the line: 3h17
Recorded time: 7h59
